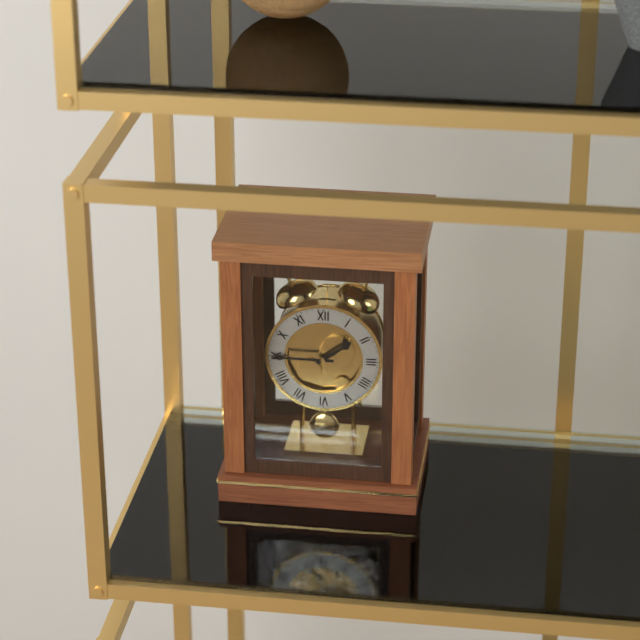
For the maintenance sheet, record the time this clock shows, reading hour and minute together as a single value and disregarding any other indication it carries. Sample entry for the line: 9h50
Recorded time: 1h45
